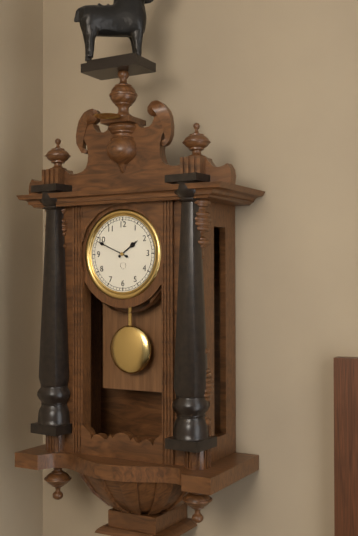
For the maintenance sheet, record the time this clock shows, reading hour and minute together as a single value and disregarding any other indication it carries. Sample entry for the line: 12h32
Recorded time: 1h49
